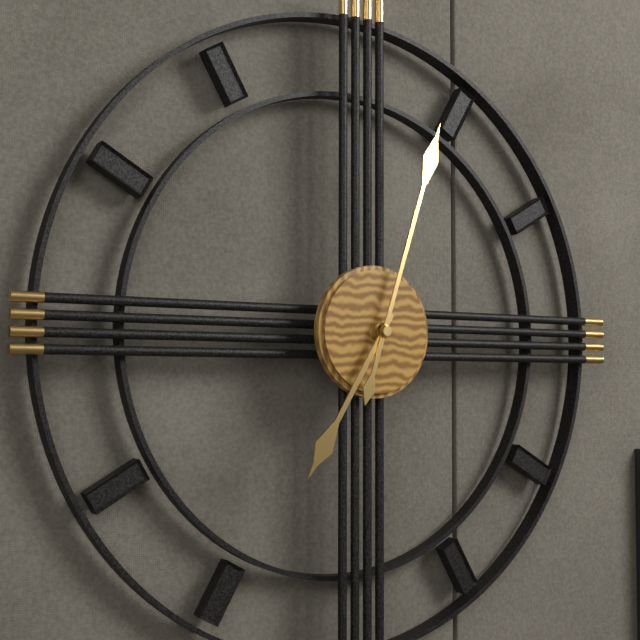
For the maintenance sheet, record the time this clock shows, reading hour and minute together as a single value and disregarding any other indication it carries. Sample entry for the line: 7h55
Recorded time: 7h03
